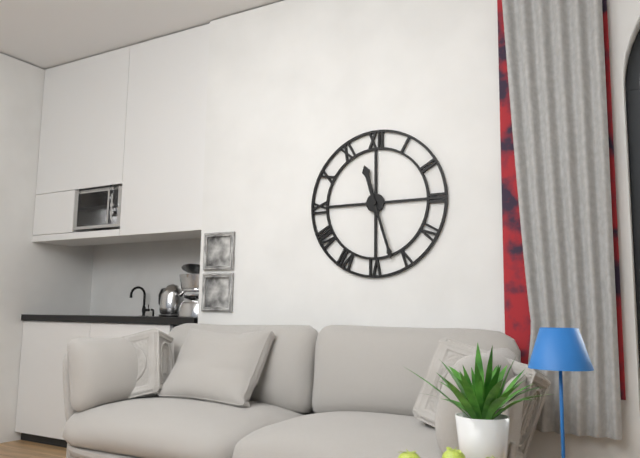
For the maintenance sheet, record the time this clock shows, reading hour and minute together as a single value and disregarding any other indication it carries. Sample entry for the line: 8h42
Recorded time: 11h27
